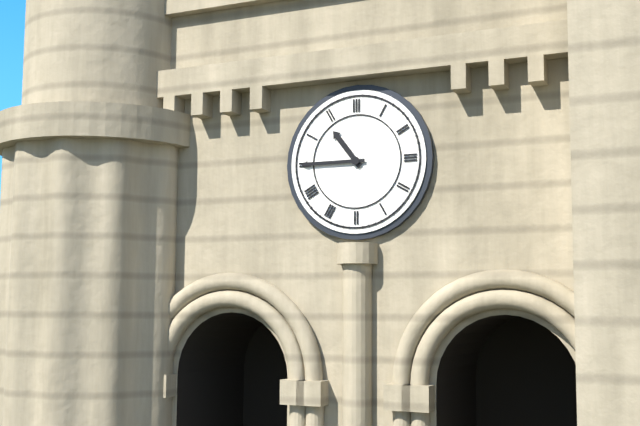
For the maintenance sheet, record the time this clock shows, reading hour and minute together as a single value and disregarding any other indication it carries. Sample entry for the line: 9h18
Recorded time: 10h45
